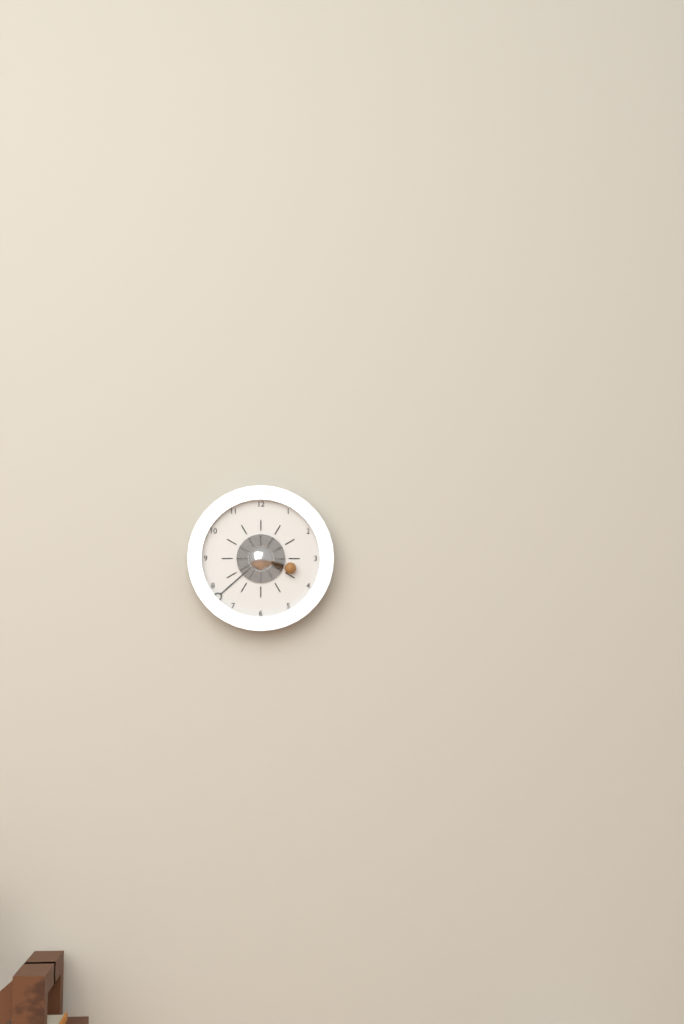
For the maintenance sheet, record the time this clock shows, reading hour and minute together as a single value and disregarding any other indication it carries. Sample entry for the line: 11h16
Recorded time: 3h38
